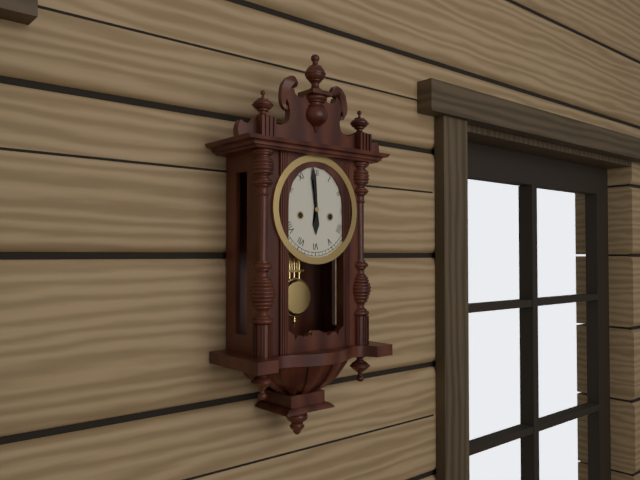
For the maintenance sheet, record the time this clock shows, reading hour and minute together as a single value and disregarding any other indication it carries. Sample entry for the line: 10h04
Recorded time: 5h59
